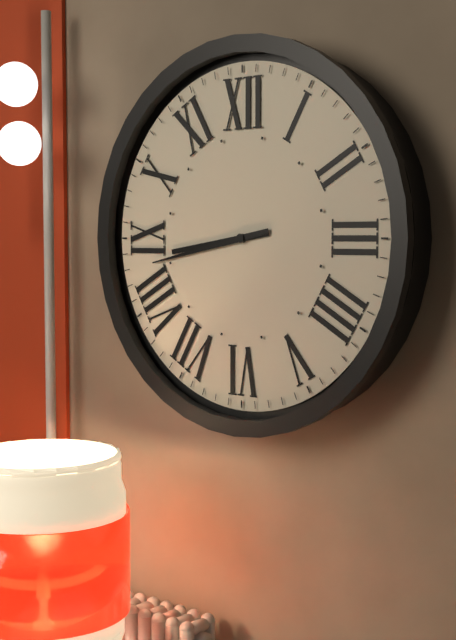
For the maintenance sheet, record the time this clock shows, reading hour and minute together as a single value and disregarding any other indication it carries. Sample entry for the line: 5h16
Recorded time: 8h43
